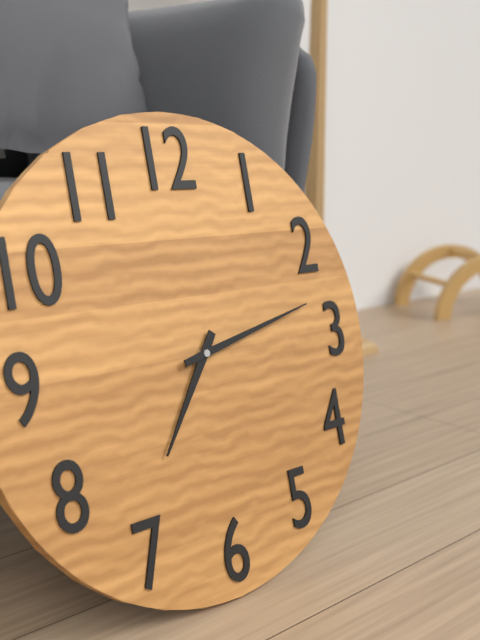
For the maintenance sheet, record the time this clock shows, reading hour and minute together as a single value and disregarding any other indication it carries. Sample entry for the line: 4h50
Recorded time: 7h13
